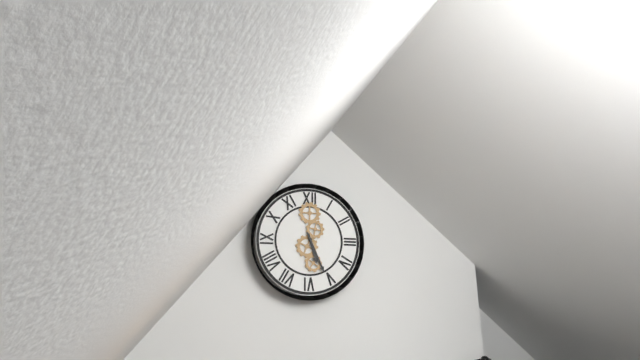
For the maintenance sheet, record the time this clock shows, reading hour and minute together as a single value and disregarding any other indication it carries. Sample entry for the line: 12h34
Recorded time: 5h26
